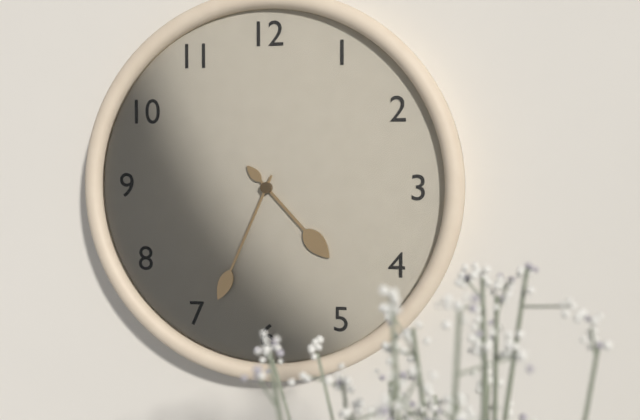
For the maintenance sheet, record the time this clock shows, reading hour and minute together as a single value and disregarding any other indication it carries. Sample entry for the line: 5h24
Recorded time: 4h34
